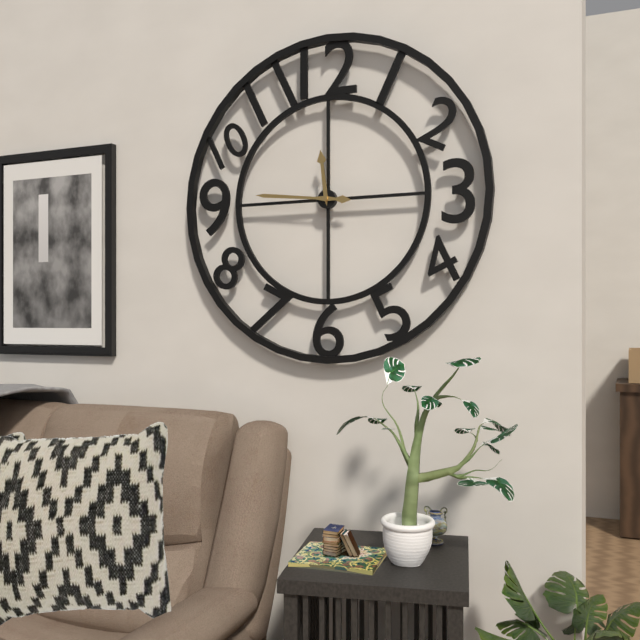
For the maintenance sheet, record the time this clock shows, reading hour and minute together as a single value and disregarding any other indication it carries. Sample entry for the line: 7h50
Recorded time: 11h46
